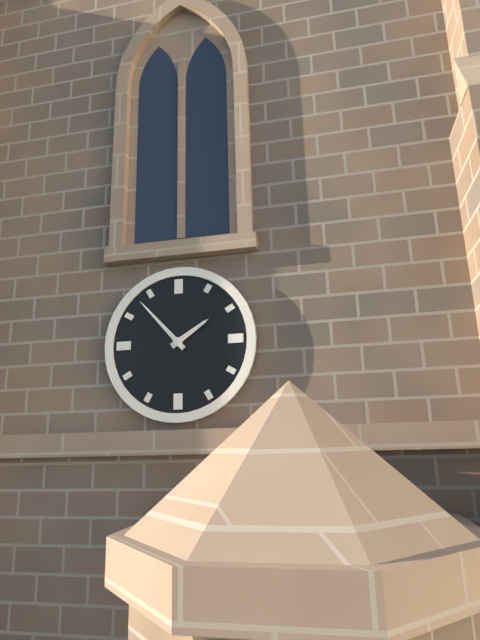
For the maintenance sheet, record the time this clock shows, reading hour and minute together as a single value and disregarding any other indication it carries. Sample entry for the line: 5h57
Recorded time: 1h53
